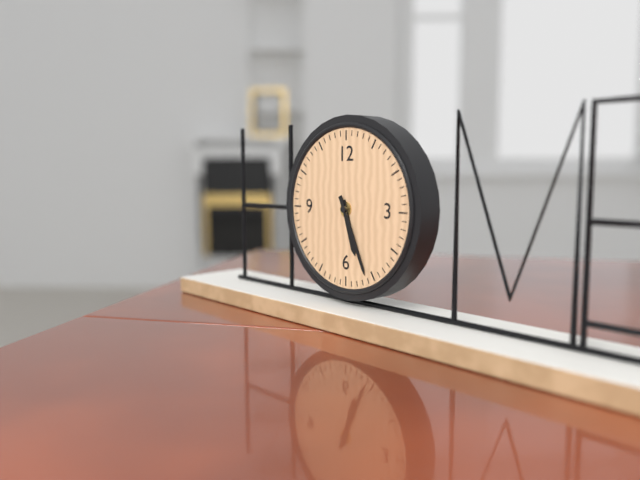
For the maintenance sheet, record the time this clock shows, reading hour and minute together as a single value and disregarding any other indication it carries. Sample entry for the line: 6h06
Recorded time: 5h26
